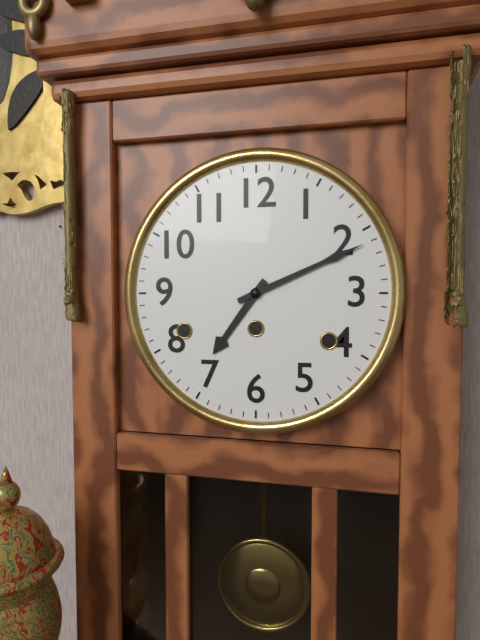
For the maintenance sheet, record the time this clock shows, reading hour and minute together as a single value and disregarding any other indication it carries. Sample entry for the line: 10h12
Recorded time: 7h11
